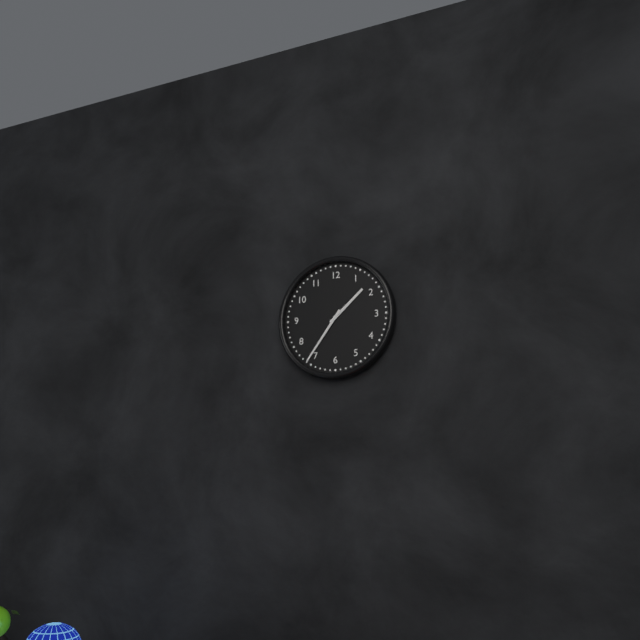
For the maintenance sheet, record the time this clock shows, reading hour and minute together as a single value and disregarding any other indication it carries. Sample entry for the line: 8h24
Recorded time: 1h36
